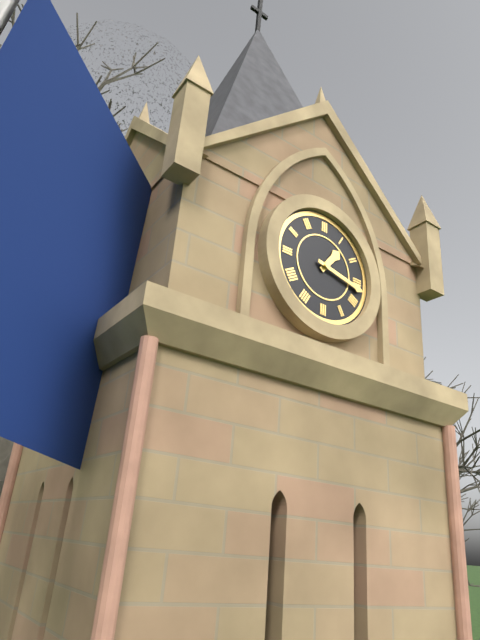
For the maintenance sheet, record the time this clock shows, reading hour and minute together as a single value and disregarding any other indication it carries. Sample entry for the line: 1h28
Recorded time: 1h17
